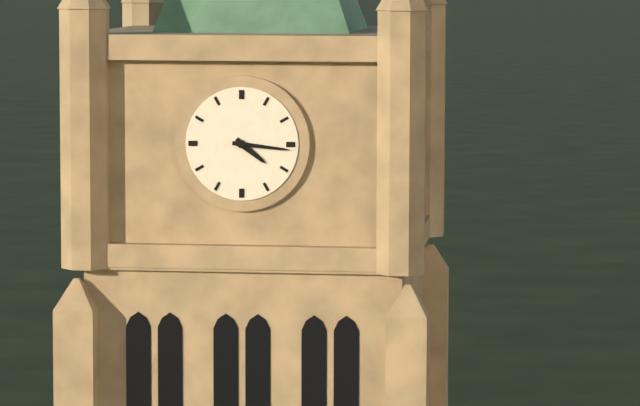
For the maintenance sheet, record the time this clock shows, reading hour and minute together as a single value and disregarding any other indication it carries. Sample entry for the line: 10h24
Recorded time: 4h16
